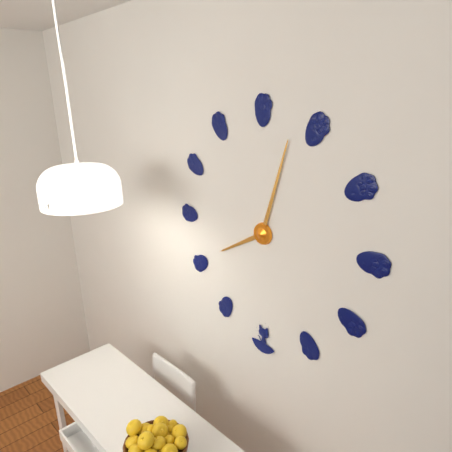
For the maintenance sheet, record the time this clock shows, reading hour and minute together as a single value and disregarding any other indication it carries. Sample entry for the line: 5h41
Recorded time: 8h03
